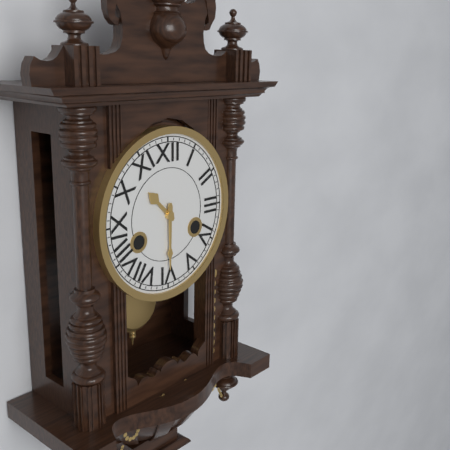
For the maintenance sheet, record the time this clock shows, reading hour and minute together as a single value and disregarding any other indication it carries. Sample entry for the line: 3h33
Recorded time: 10h30
